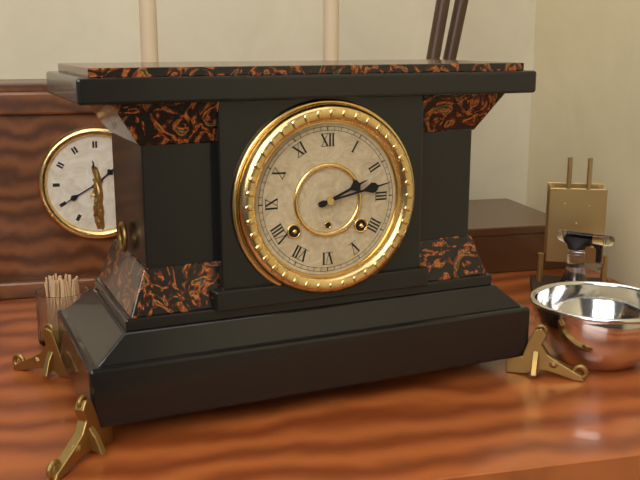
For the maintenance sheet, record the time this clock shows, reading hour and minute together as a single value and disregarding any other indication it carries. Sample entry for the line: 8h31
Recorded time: 2h13
